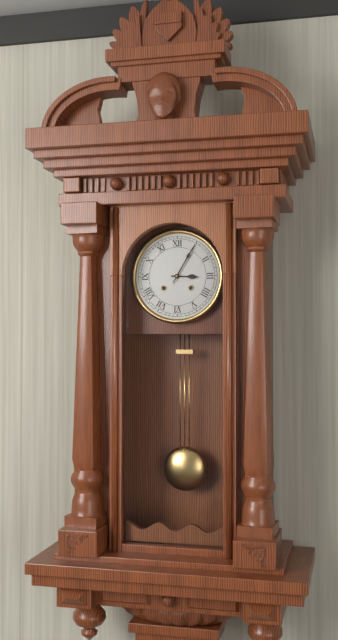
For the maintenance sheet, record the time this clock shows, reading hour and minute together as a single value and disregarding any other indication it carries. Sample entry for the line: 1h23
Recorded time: 3h05
